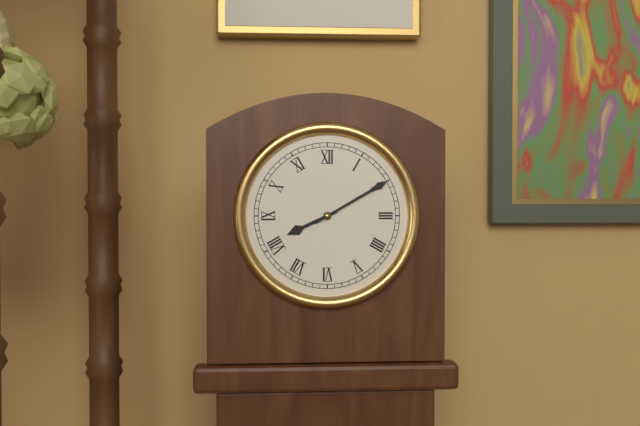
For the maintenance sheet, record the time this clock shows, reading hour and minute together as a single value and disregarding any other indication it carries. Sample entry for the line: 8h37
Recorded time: 8h10
